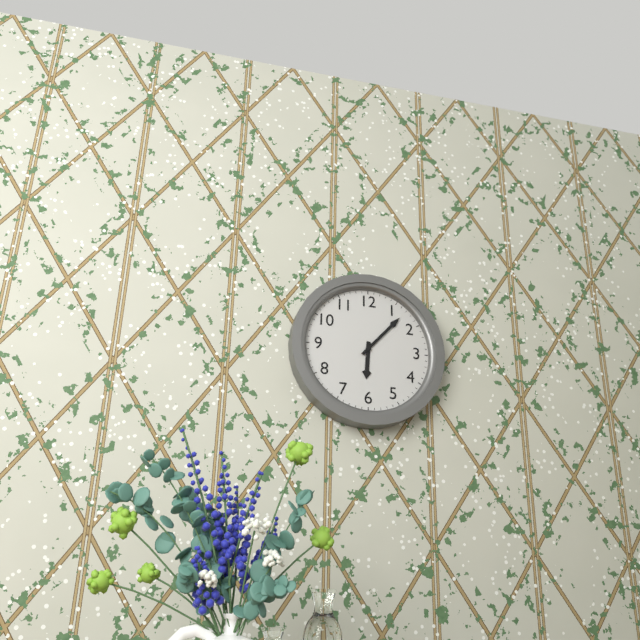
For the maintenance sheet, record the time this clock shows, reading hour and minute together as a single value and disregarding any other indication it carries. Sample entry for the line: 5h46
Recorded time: 6h07
